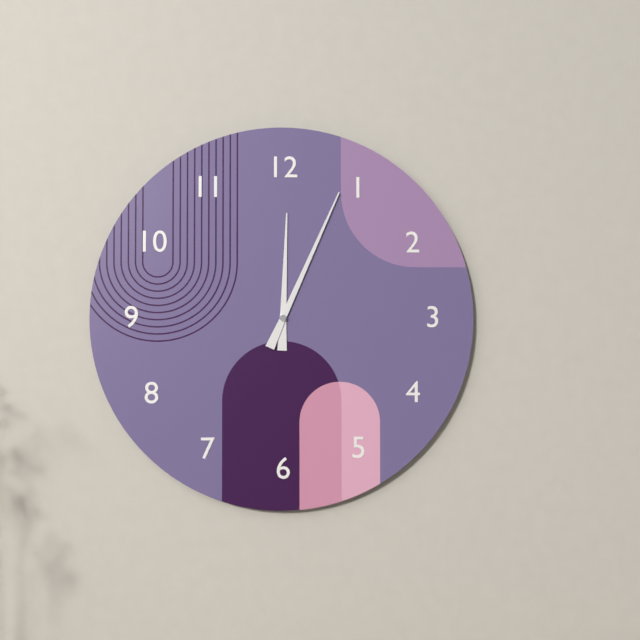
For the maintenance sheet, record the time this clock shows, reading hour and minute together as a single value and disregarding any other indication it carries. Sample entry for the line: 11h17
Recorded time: 12h04
